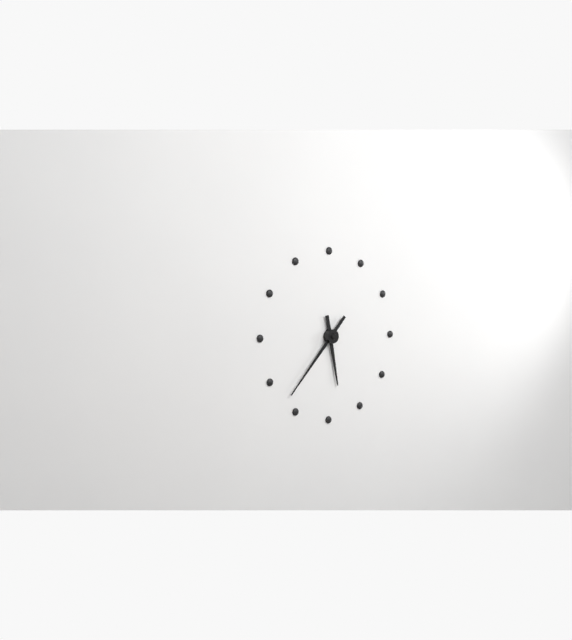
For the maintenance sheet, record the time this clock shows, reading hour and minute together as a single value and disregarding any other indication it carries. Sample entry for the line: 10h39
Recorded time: 5h37
